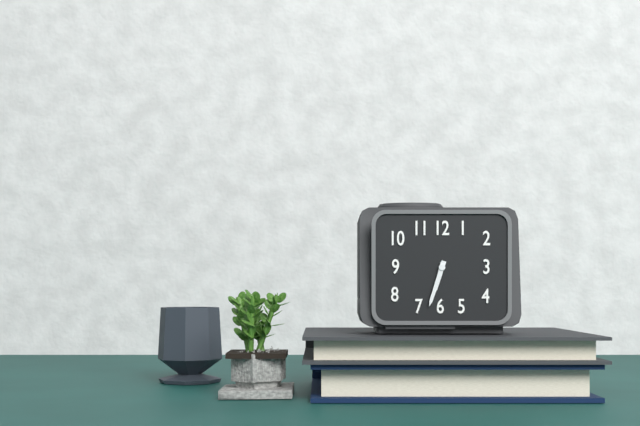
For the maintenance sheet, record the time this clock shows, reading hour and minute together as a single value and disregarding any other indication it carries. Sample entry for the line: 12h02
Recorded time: 6h33
